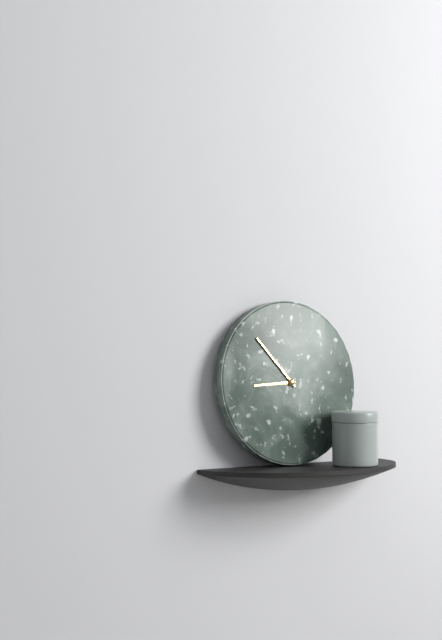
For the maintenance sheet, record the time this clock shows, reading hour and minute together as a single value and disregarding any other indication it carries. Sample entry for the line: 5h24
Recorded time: 8h53
